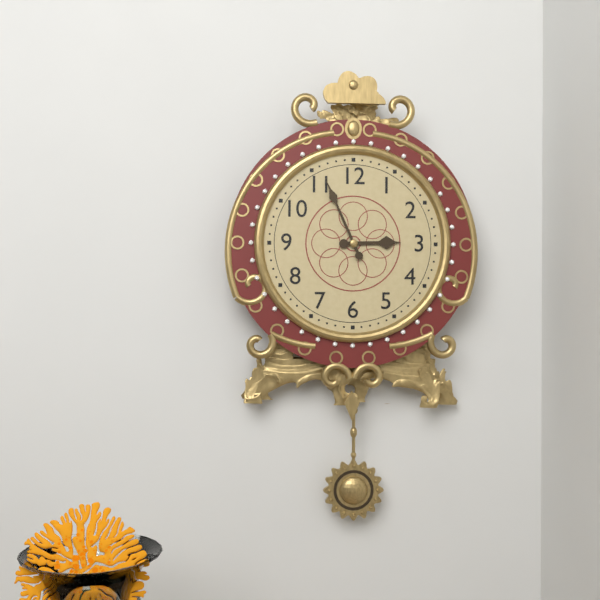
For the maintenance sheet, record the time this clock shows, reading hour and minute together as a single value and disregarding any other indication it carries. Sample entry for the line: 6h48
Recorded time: 2h56
